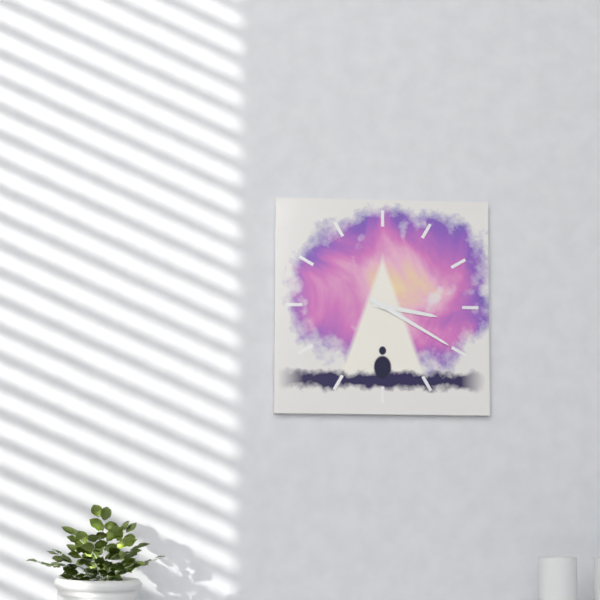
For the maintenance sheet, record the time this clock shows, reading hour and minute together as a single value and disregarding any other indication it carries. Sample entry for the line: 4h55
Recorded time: 3h20
